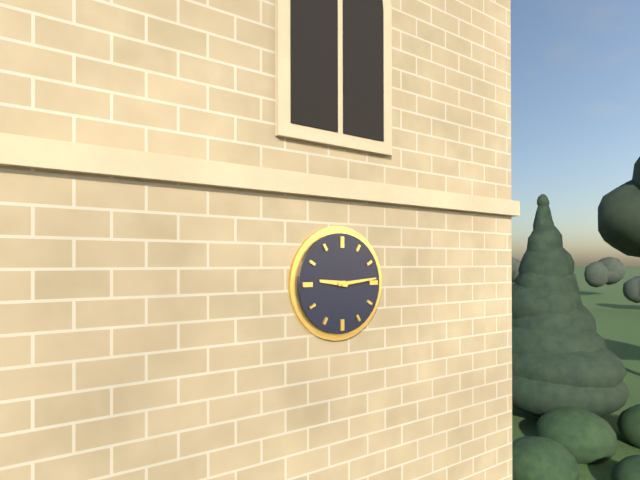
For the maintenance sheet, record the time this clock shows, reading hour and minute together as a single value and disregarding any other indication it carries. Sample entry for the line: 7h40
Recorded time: 9h14
